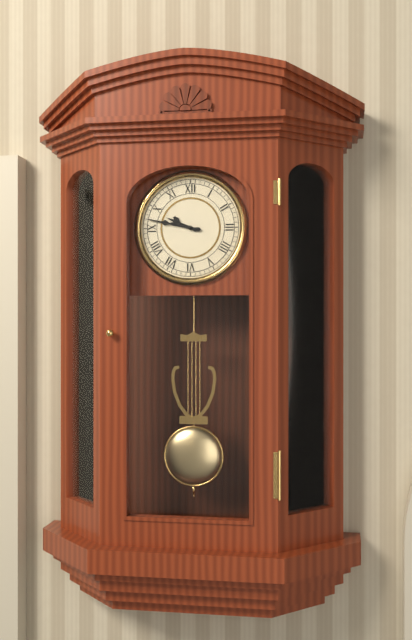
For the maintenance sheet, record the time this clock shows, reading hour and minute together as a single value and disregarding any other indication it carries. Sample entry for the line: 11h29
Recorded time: 9h47
